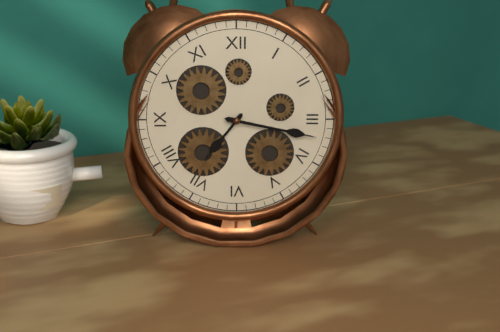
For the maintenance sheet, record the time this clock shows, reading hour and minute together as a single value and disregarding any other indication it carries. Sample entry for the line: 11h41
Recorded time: 7h17
